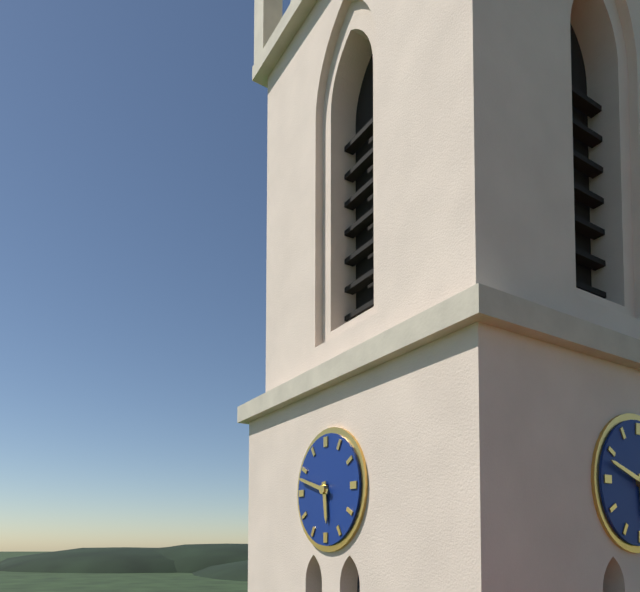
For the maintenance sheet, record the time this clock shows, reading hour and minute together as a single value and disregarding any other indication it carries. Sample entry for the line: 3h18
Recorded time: 5h48
